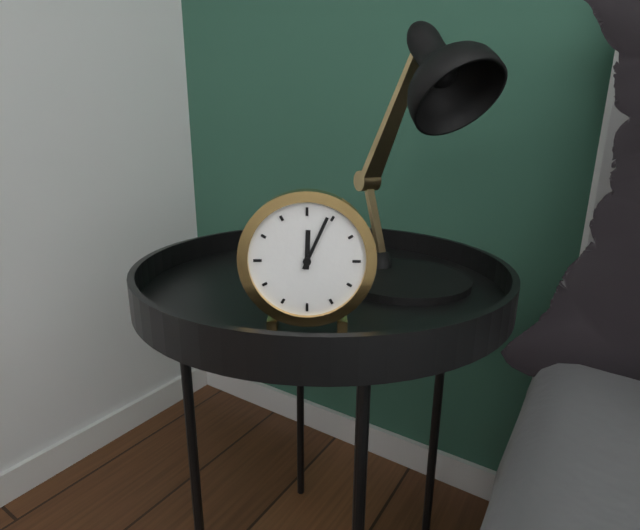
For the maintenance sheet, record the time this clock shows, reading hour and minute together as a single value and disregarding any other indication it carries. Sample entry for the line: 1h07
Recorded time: 12h04
